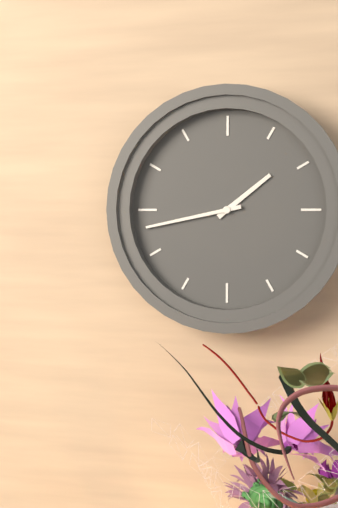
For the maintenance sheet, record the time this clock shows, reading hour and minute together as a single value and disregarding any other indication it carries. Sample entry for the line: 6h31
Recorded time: 1h43
